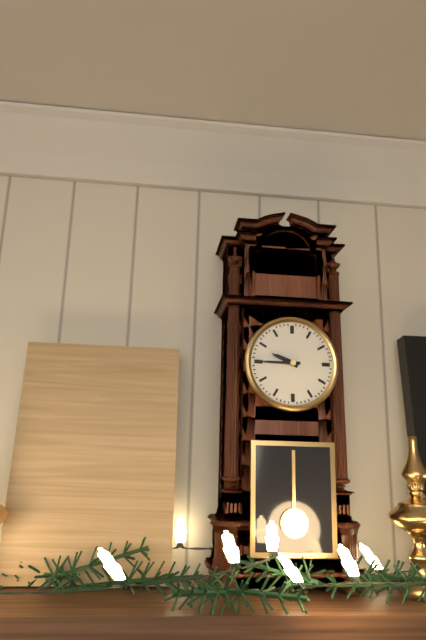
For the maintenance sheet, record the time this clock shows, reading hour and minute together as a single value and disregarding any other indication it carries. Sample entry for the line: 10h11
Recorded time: 9h45
